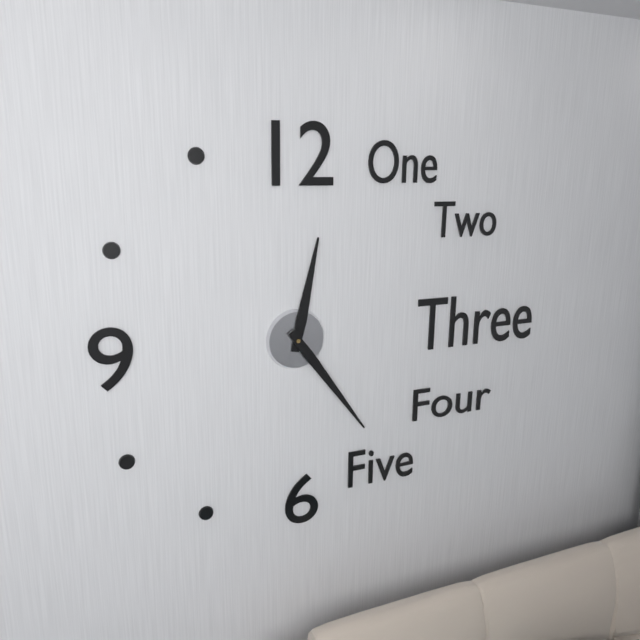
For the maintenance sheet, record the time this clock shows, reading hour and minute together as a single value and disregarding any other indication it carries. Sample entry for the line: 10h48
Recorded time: 12h24
